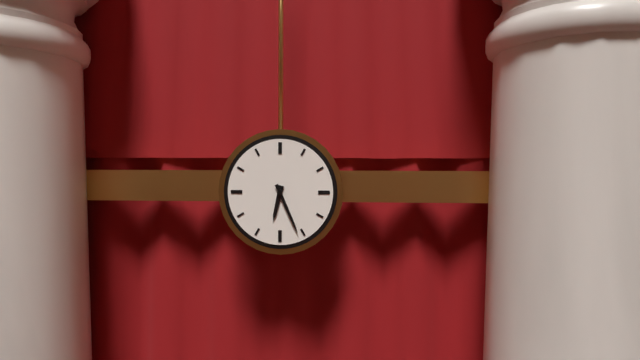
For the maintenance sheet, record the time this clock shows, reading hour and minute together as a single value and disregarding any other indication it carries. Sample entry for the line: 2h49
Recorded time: 6h26
